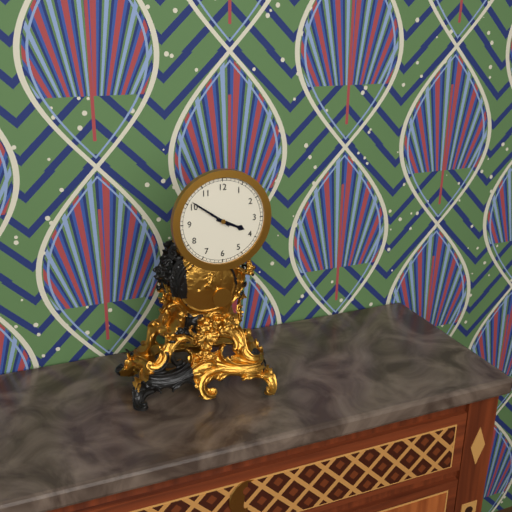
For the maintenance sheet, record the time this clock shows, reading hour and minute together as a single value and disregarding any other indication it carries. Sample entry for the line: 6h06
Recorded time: 3h51
